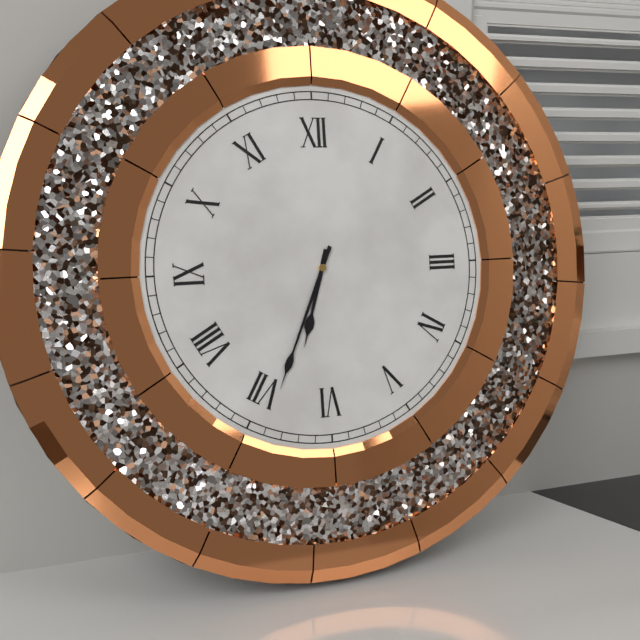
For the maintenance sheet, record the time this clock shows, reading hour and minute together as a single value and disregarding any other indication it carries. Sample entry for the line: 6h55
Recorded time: 6h34
